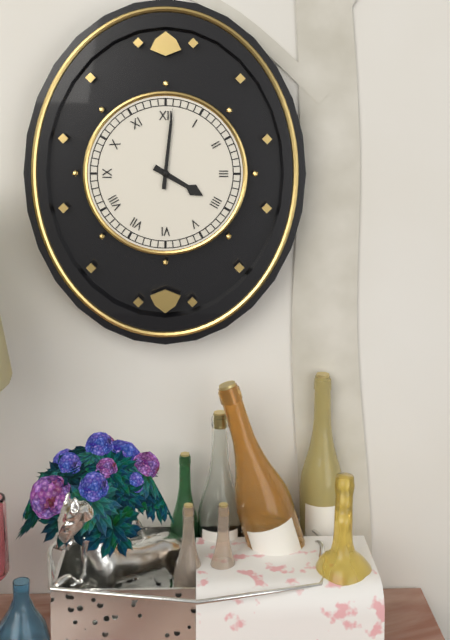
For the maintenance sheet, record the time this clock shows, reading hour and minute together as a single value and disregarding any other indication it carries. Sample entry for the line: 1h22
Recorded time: 4h01
